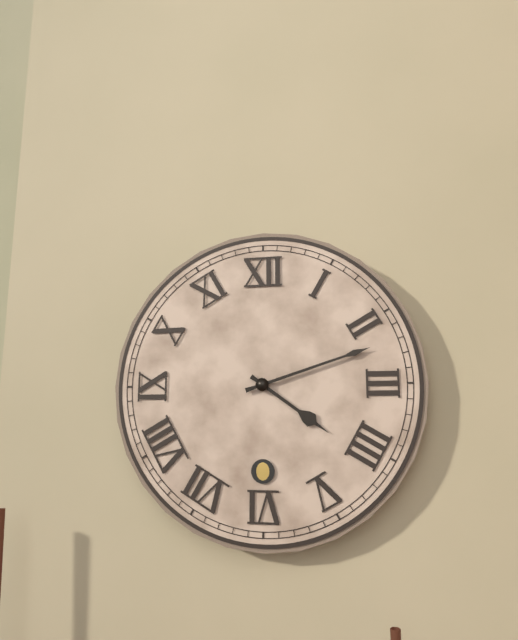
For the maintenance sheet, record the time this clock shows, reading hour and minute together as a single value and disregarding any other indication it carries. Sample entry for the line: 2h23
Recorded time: 4h12
